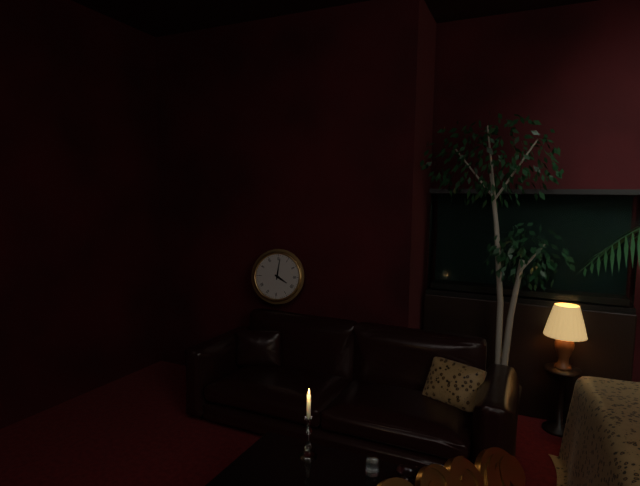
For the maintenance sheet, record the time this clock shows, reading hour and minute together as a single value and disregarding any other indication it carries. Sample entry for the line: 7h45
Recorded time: 4h01
